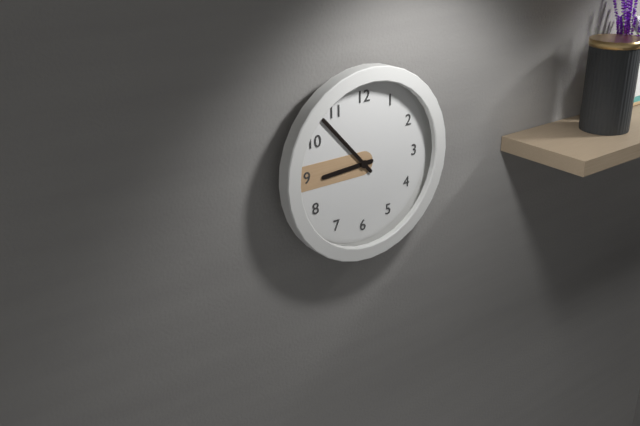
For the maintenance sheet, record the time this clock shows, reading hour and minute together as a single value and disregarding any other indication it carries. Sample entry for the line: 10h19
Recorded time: 8h53
